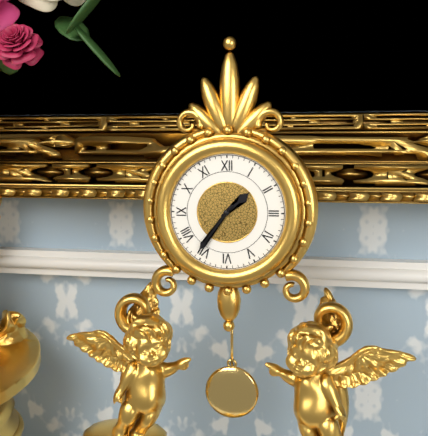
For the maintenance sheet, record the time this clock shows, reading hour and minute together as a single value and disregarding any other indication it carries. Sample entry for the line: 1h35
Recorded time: 1h36
